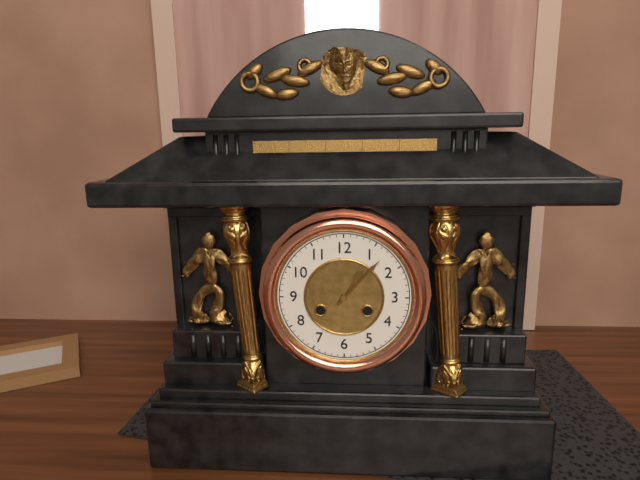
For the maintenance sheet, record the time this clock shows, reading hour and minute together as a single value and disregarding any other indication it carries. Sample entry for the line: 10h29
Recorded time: 1h07
